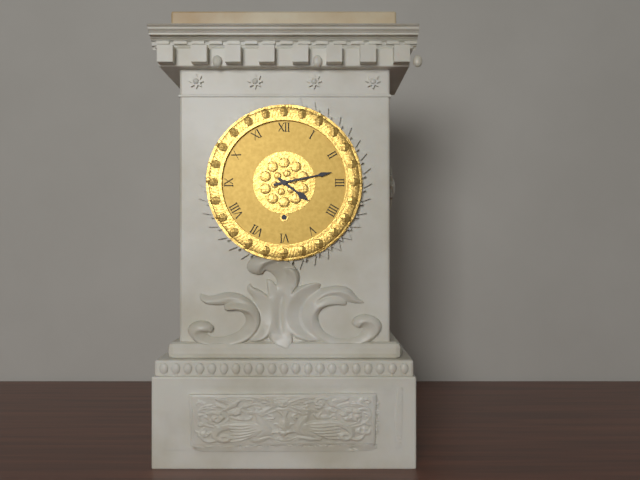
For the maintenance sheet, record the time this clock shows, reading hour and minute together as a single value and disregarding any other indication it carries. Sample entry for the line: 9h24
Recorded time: 4h13
